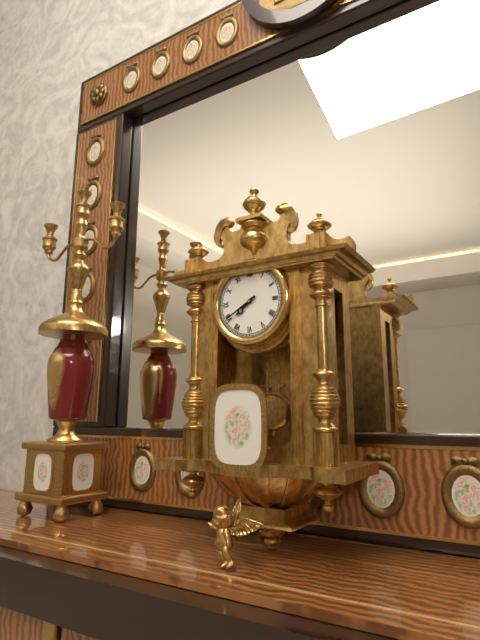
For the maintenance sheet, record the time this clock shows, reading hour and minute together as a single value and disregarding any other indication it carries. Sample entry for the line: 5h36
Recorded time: 7h40
